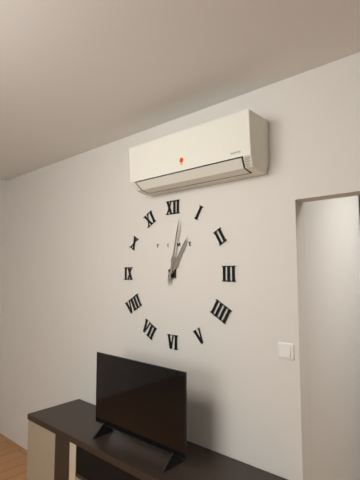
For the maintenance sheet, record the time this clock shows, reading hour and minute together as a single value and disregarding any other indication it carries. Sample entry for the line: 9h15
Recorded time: 1h02
